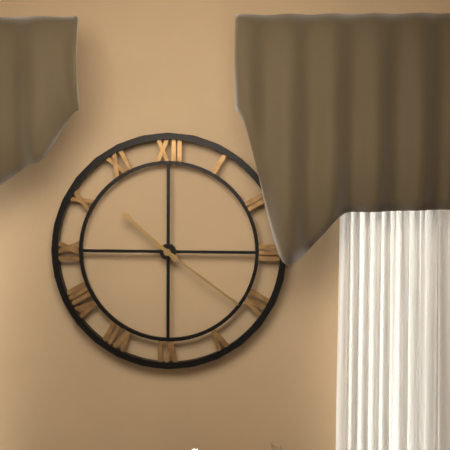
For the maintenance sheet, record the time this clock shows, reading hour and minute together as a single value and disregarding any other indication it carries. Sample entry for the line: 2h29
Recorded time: 10h21
